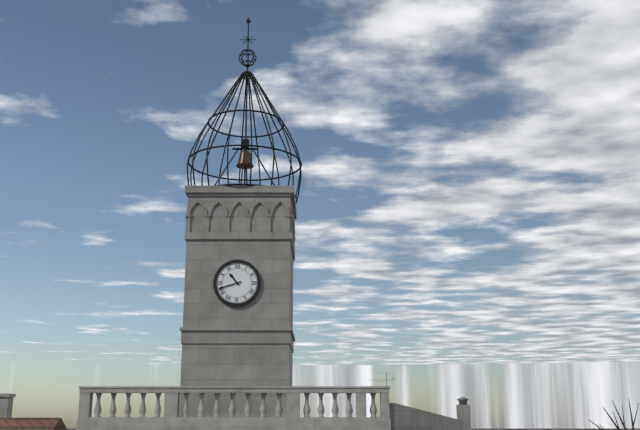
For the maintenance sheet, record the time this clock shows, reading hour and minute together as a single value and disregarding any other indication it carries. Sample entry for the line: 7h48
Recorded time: 10h42
